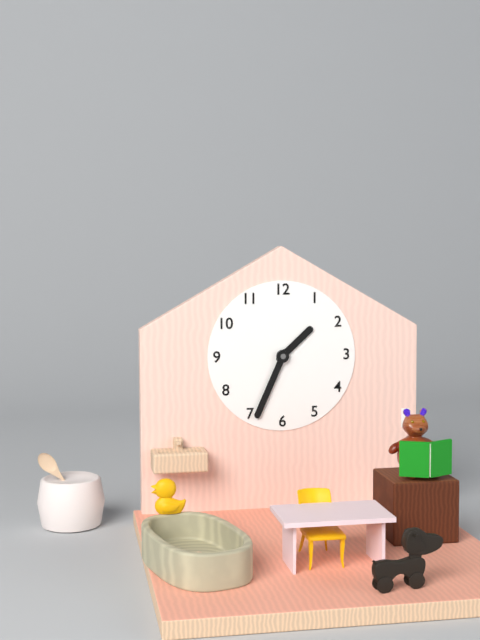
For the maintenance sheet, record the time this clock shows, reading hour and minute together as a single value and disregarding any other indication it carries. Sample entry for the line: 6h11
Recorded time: 1h34
